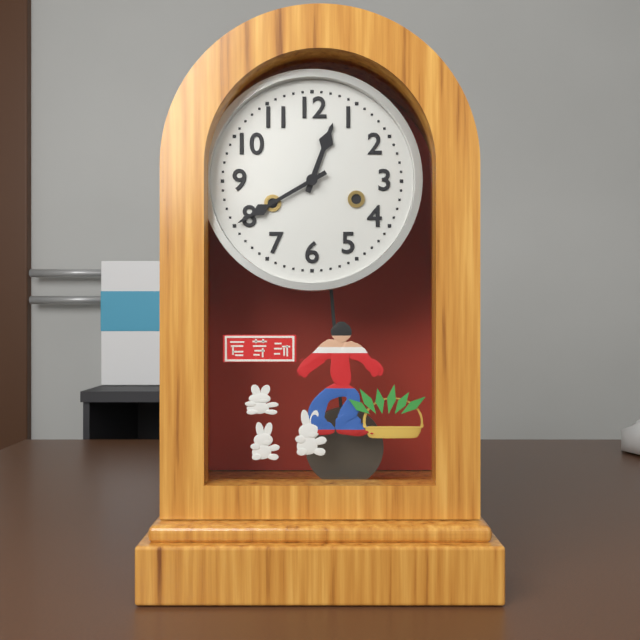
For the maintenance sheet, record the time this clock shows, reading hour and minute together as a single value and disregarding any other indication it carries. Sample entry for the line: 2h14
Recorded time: 12h40
